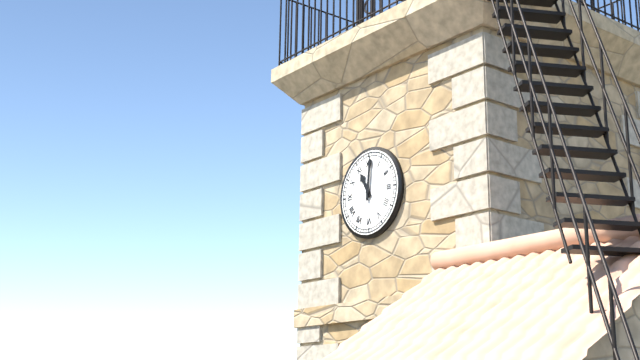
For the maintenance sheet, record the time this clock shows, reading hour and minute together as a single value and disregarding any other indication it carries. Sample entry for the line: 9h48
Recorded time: 11h01
